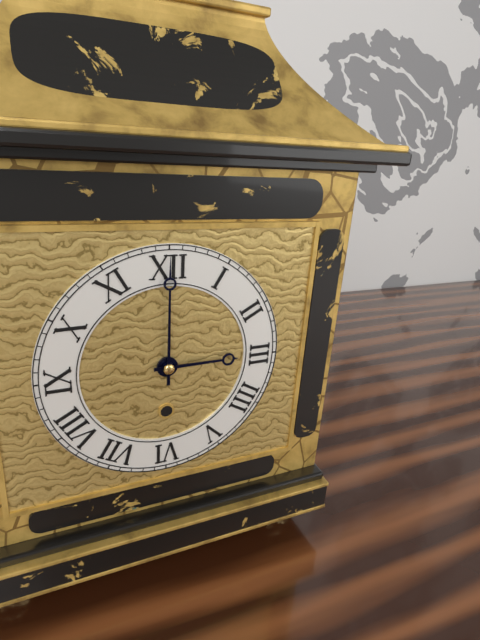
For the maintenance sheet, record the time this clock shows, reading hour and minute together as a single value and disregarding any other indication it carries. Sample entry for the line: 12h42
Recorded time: 3h00
